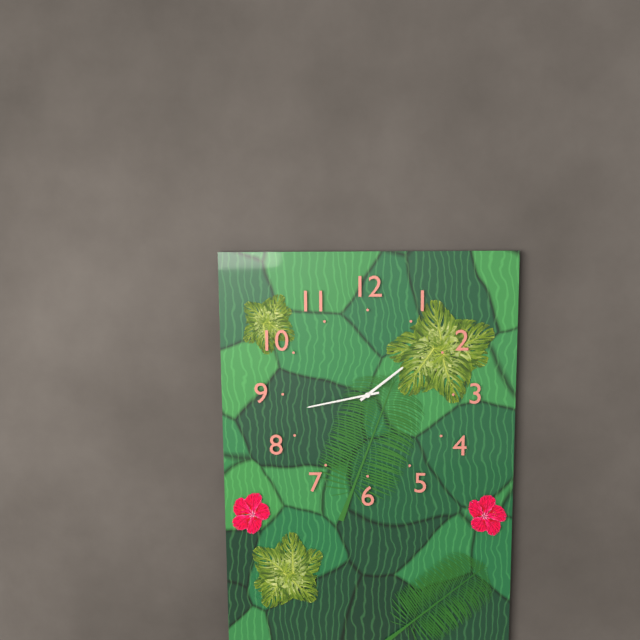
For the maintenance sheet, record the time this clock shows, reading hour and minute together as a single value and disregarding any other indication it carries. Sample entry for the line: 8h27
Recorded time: 1h43
